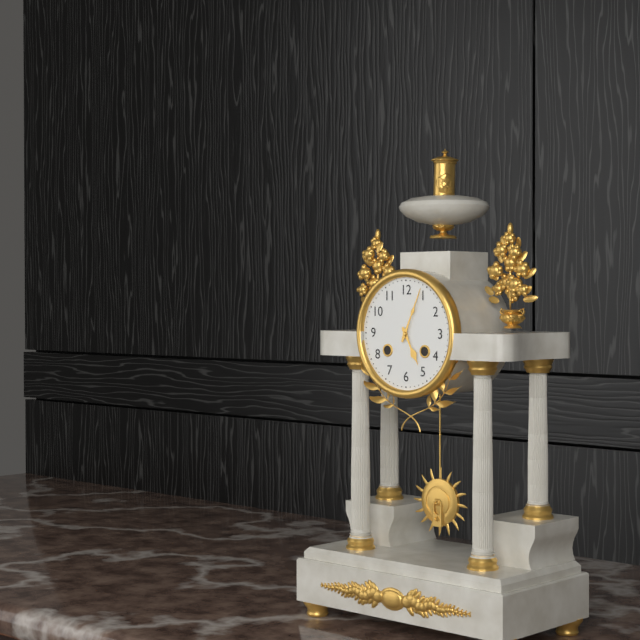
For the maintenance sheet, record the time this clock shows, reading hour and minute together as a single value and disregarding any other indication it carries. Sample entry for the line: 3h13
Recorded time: 5h04
